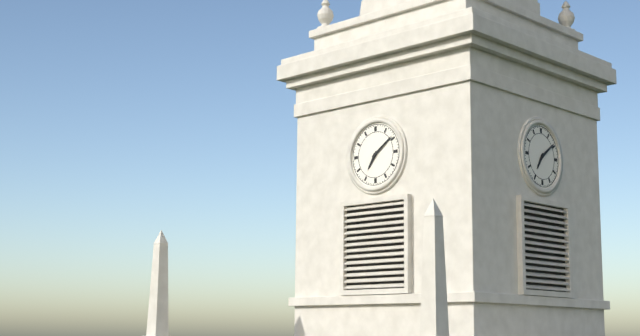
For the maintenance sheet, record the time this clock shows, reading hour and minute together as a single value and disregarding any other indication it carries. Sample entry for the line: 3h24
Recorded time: 7h09
